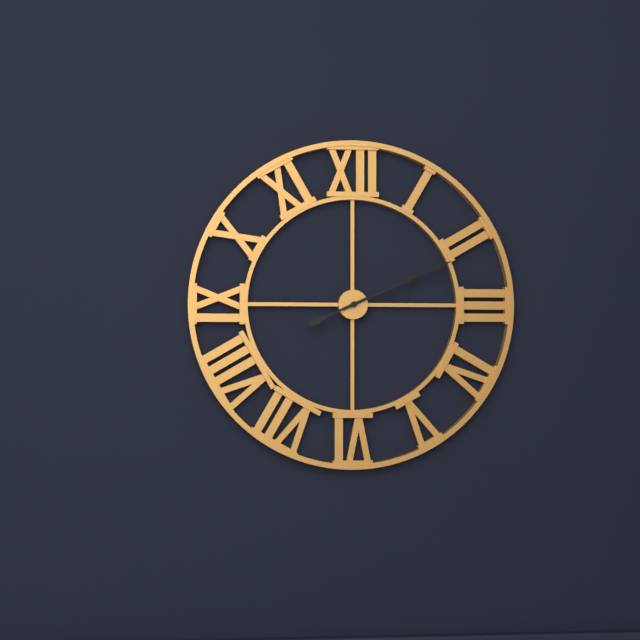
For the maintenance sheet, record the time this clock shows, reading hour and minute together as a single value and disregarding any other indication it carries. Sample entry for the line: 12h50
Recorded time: 2h11
